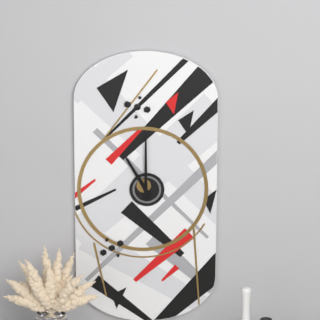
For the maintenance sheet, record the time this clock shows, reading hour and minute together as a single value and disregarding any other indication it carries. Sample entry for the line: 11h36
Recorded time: 11h00
